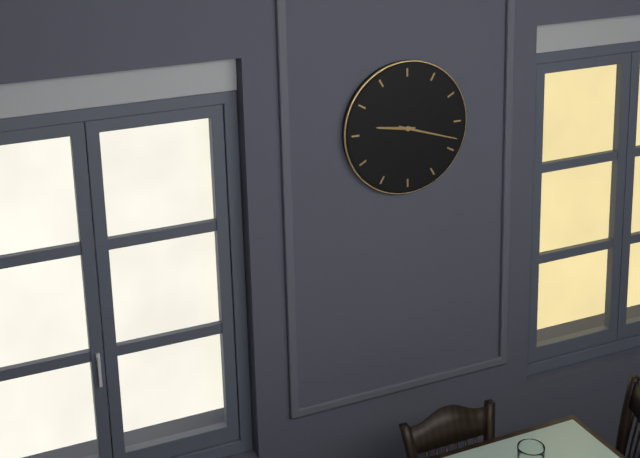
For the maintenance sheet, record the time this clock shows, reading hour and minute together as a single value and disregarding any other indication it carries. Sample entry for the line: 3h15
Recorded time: 9h18
